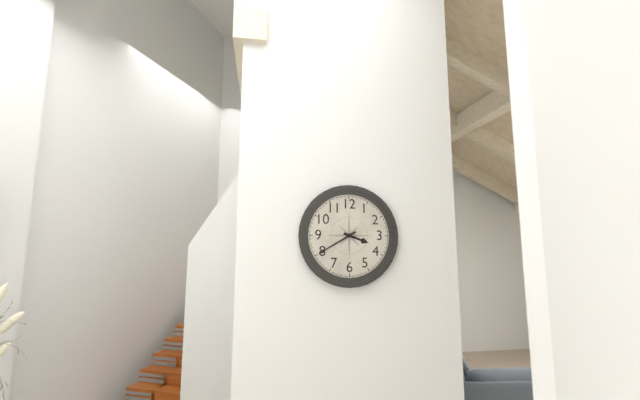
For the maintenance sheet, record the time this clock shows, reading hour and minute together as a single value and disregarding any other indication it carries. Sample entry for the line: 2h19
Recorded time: 3h40
